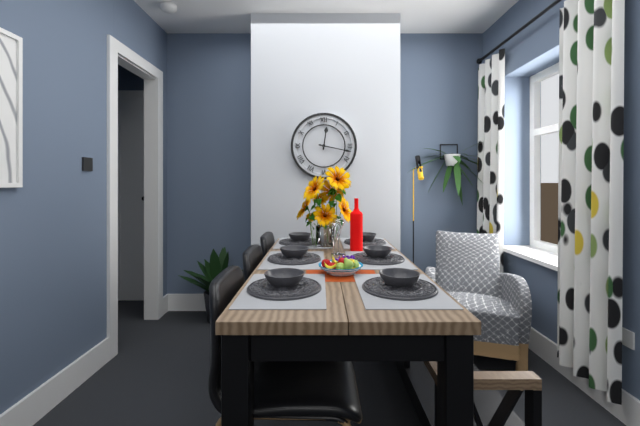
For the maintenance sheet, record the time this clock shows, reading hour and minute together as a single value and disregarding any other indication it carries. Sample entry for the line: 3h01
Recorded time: 12h17
